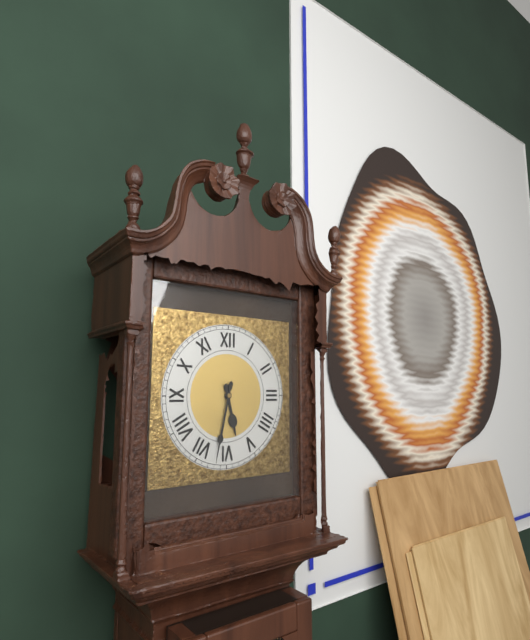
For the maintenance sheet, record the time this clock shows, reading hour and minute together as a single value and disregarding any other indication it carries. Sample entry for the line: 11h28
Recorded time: 5h32
